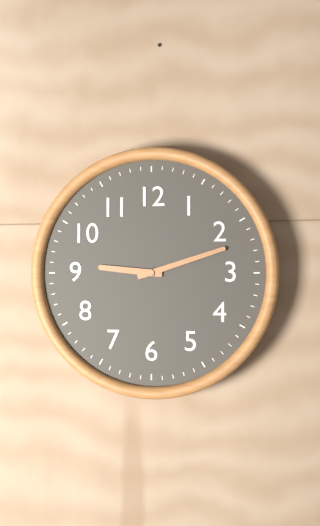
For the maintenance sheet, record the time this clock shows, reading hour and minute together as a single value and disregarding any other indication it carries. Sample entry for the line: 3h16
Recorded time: 9h12
